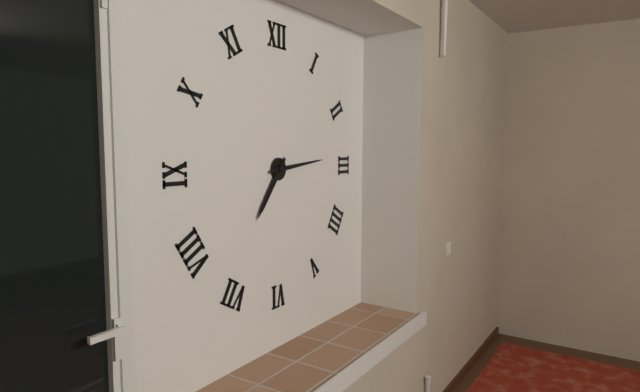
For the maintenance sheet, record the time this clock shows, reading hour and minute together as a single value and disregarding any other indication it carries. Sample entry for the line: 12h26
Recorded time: 7h14
